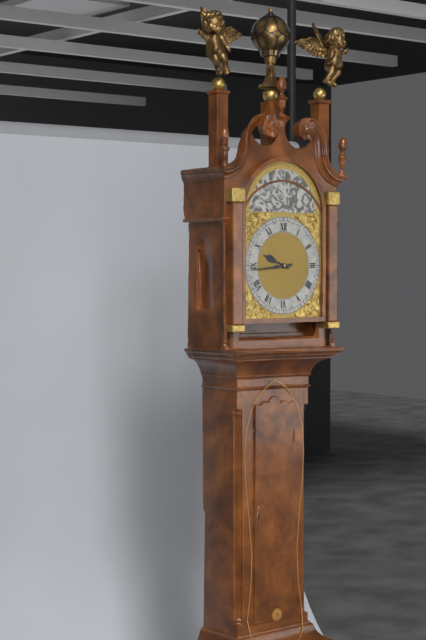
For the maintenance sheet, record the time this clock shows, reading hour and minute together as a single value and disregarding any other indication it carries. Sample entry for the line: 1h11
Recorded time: 9h44
